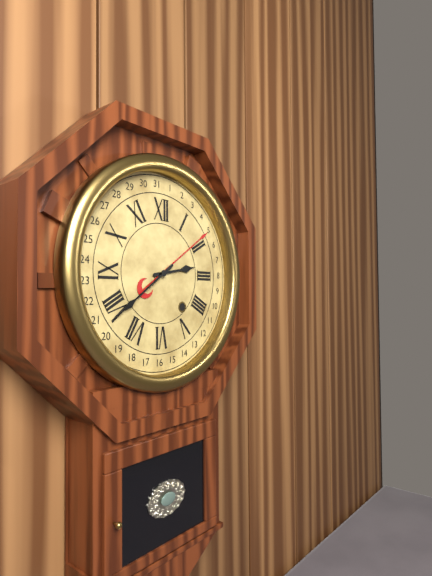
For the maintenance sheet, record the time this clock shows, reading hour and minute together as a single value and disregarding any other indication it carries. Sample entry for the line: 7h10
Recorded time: 2h39
